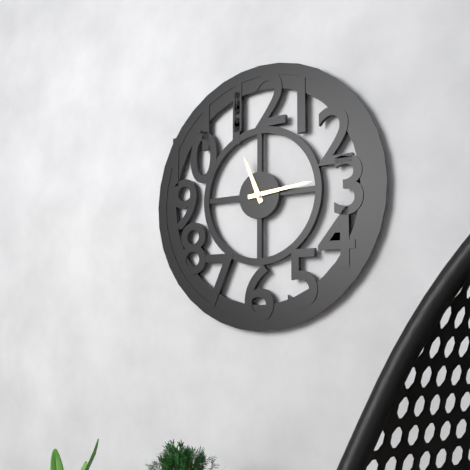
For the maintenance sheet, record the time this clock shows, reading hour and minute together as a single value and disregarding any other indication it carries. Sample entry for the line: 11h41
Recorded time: 11h14
